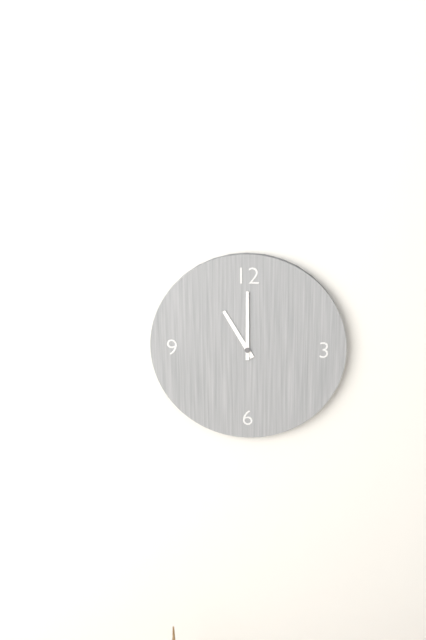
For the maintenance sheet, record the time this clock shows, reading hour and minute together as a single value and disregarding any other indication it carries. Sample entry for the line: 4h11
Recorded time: 11h00
